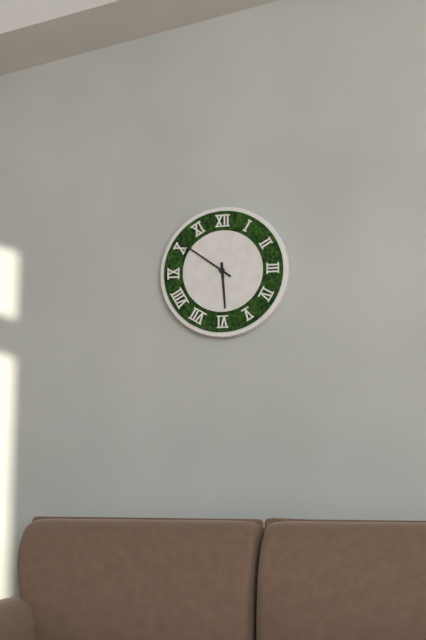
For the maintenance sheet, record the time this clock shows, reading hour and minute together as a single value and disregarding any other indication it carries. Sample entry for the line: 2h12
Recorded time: 5h51
